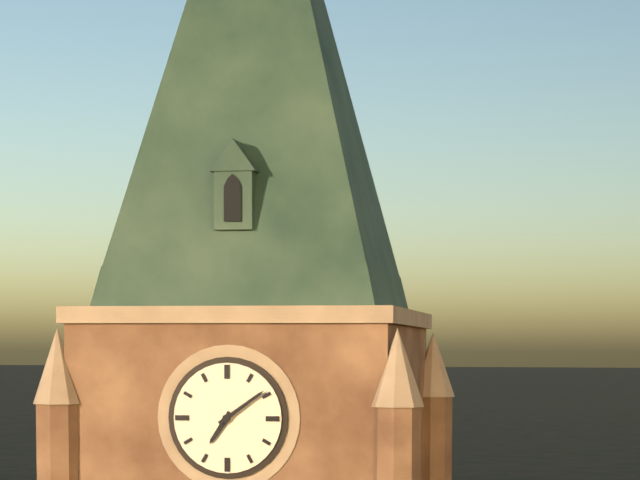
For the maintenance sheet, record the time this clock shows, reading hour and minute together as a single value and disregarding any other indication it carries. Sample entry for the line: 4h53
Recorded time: 7h09
